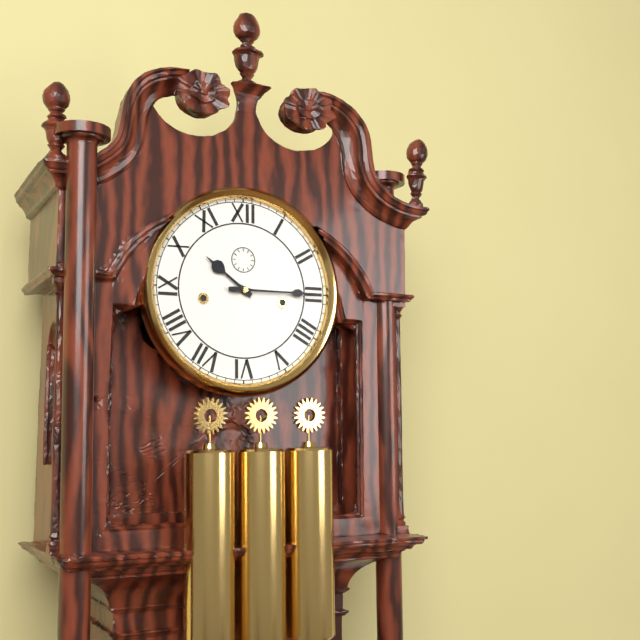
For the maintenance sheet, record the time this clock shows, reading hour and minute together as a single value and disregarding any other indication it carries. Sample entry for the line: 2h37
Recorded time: 10h15
